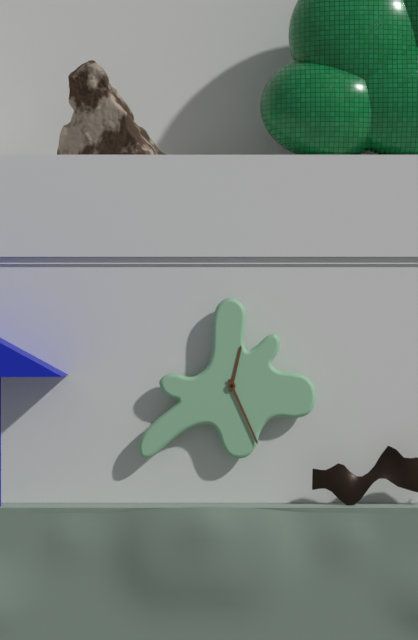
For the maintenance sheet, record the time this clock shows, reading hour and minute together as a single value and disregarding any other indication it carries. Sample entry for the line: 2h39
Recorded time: 12h26
